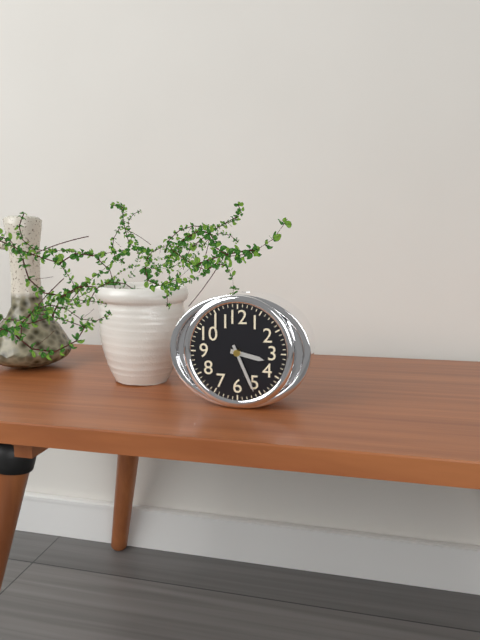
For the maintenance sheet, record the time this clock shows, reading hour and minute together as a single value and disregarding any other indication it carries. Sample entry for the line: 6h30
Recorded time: 3h26
